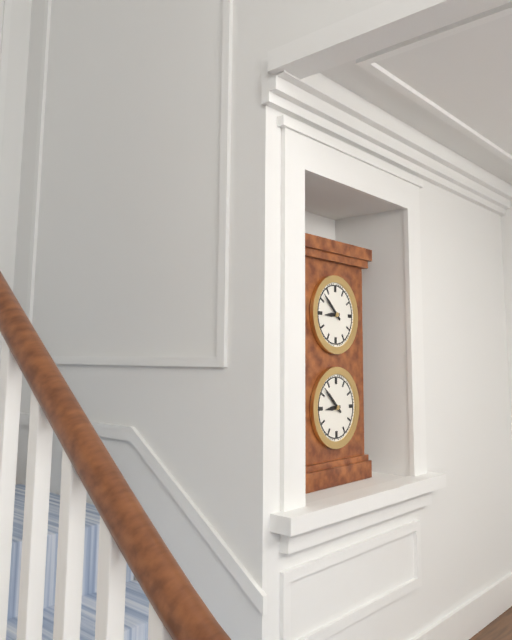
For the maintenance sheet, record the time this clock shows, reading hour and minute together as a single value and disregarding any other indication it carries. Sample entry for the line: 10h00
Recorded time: 8h52
